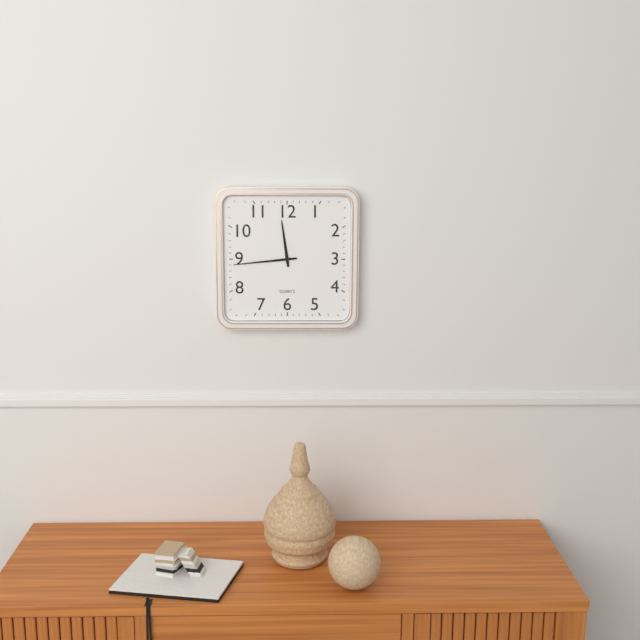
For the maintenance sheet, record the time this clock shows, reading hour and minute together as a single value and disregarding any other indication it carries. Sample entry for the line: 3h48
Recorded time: 11h44
